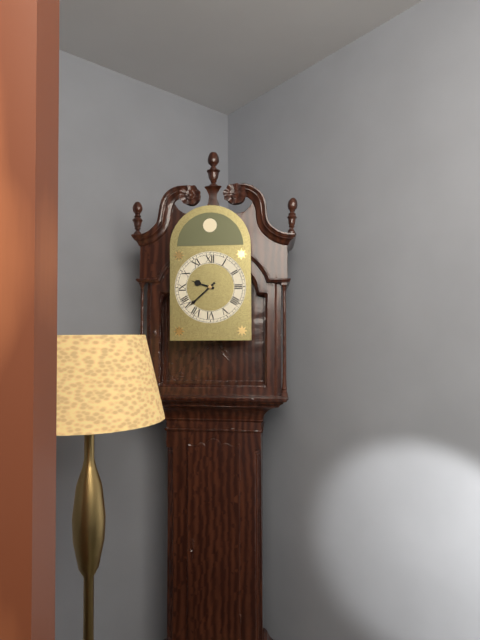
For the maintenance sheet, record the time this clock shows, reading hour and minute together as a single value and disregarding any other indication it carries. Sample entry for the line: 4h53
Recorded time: 9h38
